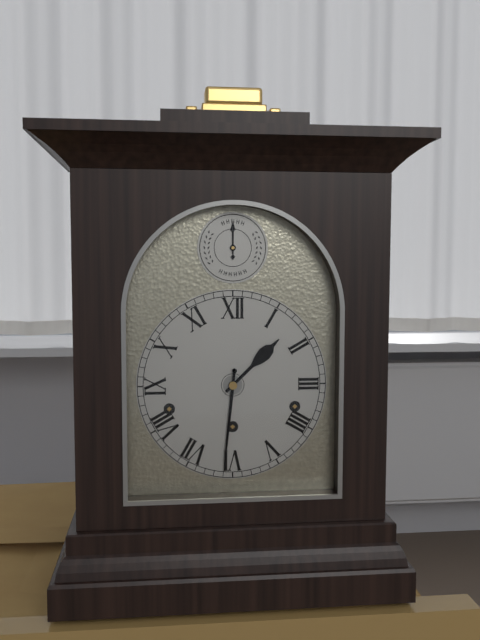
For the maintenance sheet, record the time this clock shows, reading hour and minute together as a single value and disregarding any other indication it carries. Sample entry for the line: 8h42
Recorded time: 1h31
